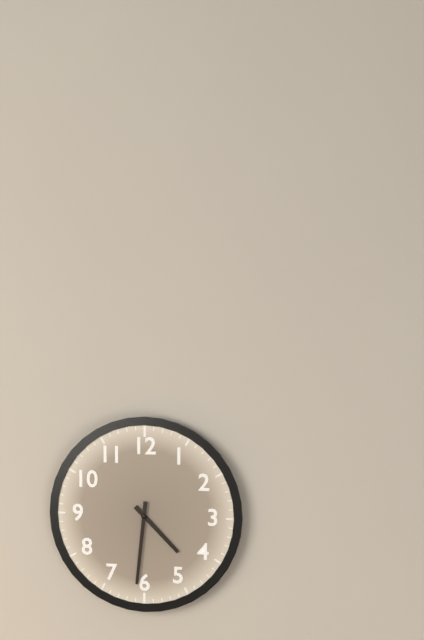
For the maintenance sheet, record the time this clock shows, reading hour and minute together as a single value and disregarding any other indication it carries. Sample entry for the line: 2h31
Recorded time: 4h31
